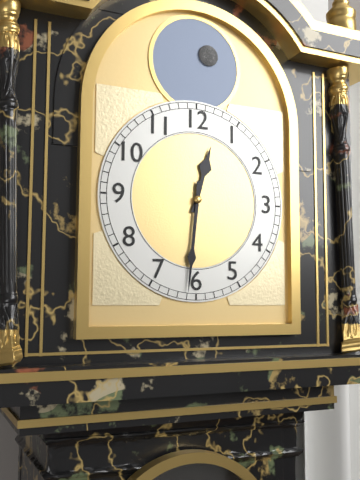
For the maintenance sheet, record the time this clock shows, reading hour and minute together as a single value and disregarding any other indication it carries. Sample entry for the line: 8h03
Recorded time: 12h31
